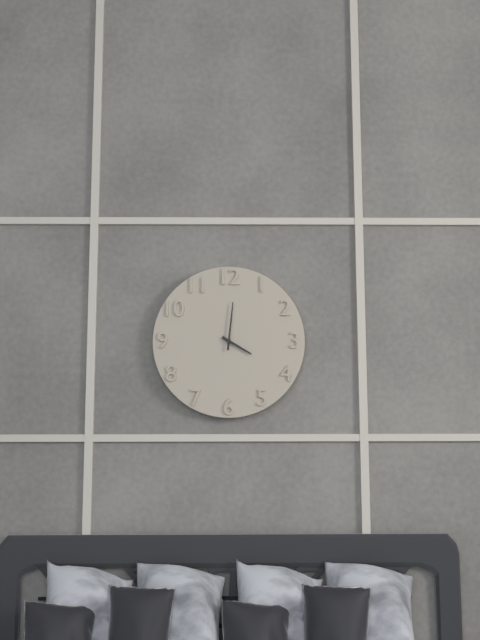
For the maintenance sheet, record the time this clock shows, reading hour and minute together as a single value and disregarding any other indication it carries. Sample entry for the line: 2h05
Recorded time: 4h01
